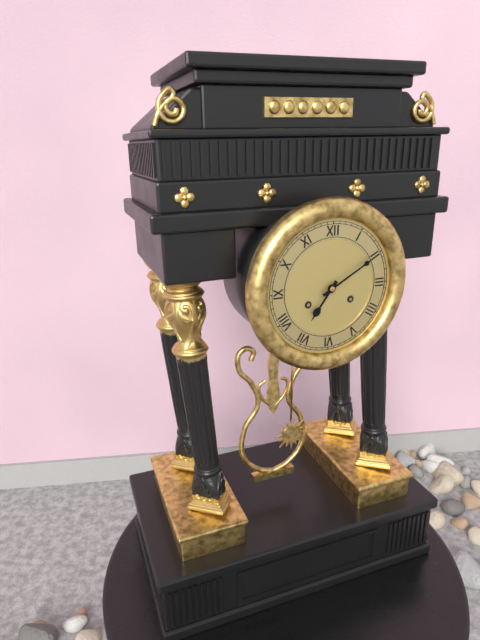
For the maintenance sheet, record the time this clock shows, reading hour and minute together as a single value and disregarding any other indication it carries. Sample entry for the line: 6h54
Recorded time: 7h10
